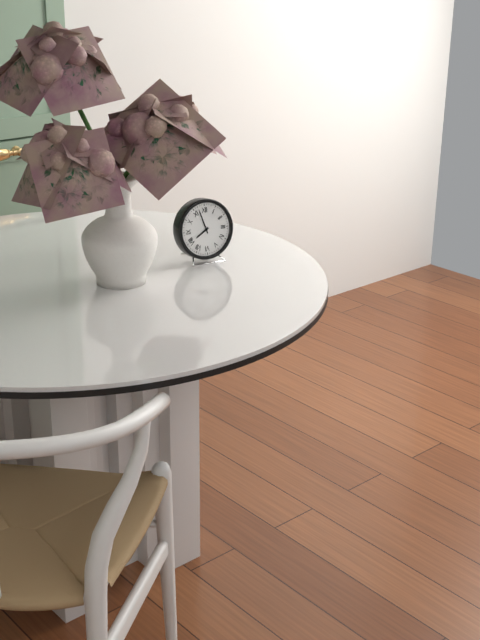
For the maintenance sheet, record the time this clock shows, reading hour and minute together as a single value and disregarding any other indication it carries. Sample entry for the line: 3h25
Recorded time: 7h57
